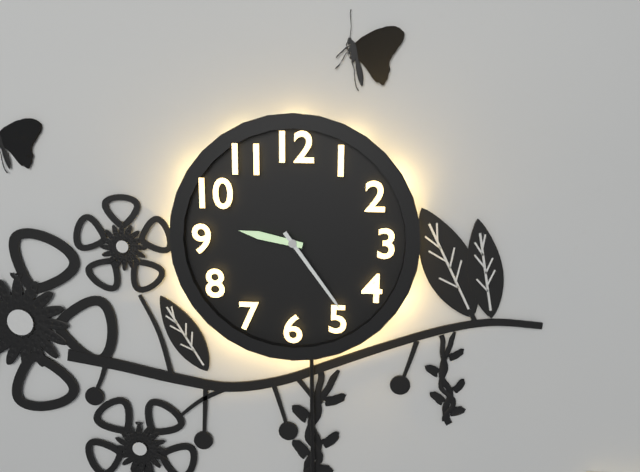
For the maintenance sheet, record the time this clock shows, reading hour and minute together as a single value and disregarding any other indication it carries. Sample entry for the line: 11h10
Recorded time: 9h24
